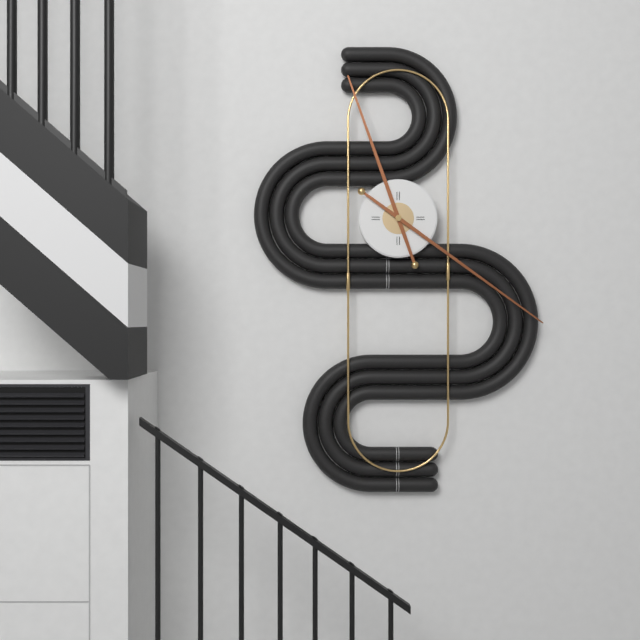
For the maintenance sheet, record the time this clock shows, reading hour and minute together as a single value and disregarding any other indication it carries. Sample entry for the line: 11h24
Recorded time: 11h21
